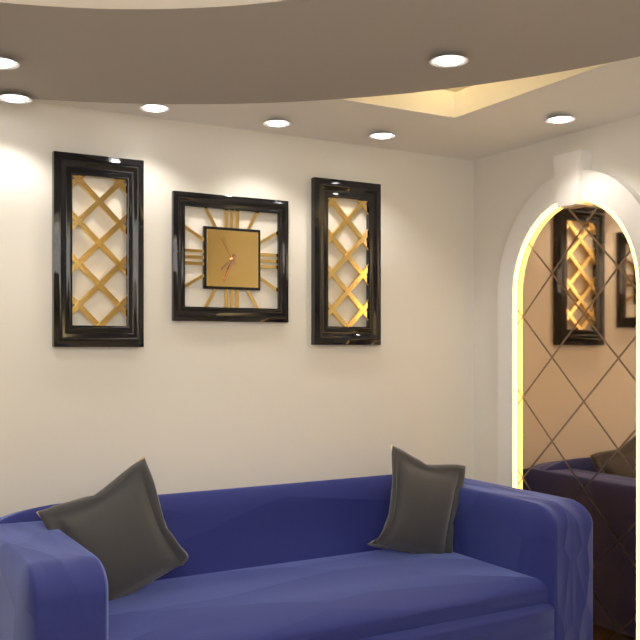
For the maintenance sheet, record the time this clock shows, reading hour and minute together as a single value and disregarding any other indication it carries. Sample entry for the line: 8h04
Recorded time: 7h34
